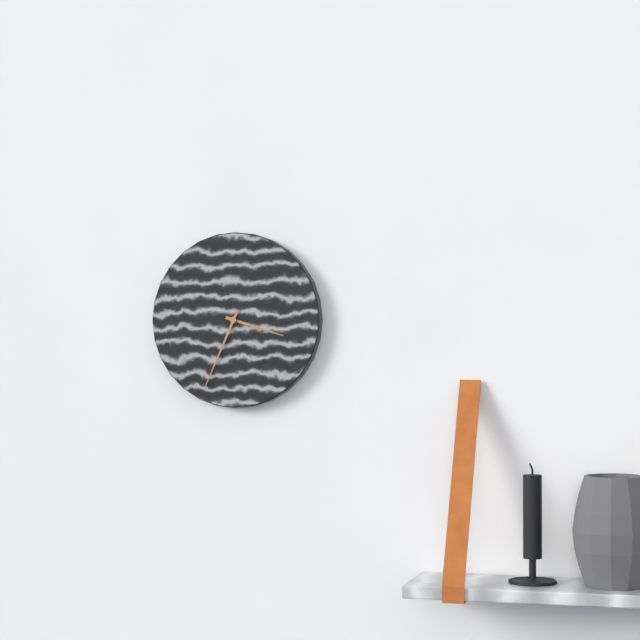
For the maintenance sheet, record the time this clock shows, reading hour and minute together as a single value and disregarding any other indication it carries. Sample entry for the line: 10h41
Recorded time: 3h34
